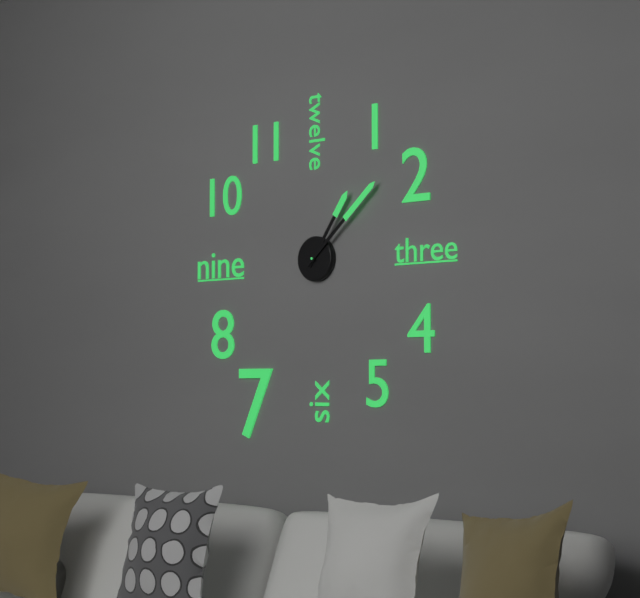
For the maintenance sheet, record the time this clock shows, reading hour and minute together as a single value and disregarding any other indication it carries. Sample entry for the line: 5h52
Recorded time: 1h08
